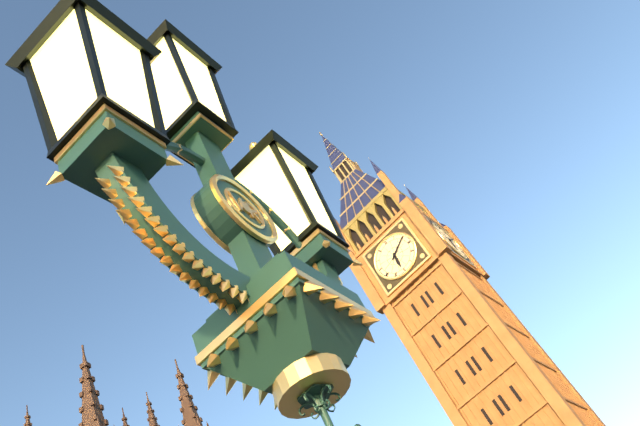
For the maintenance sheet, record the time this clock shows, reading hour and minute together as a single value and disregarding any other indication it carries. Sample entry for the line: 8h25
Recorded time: 6h10
